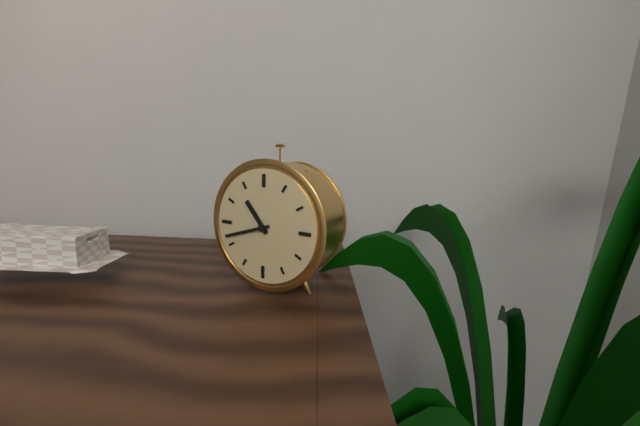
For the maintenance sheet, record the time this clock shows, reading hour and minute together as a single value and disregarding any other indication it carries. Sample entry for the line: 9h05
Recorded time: 10h42
